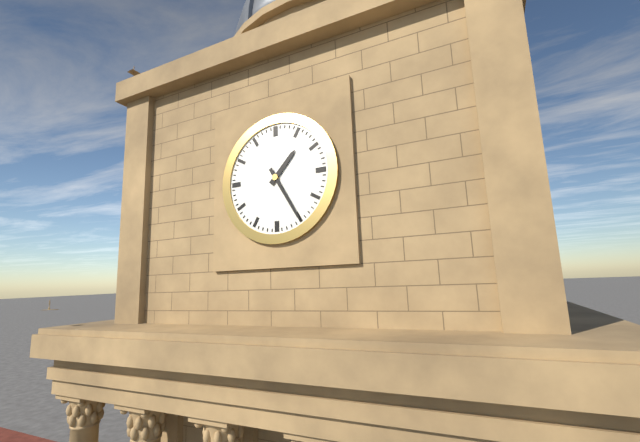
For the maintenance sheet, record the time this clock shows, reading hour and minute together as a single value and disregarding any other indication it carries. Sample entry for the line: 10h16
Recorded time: 1h25
